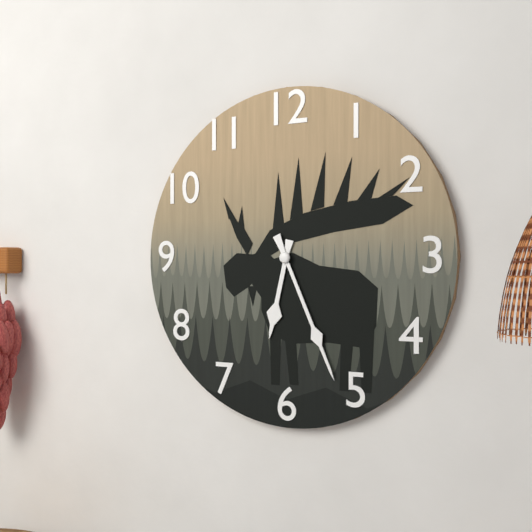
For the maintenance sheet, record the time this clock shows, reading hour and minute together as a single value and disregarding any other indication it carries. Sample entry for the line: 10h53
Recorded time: 6h26
